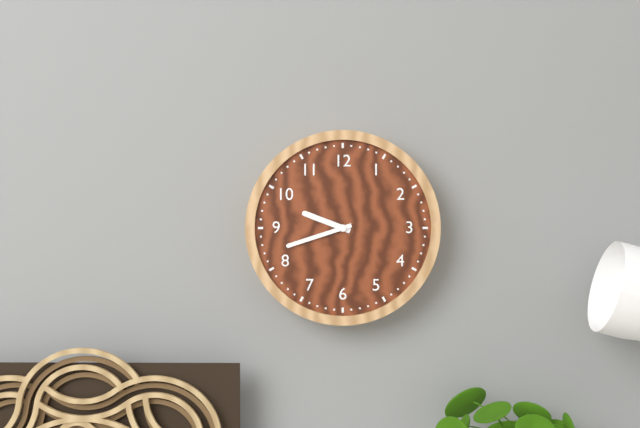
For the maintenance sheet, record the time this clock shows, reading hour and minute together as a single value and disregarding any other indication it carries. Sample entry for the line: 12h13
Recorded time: 9h42
